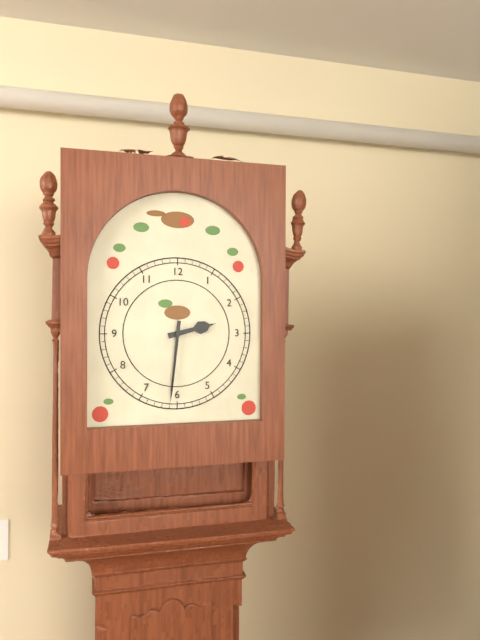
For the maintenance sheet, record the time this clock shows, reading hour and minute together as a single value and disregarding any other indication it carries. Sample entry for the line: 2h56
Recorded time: 2h31
